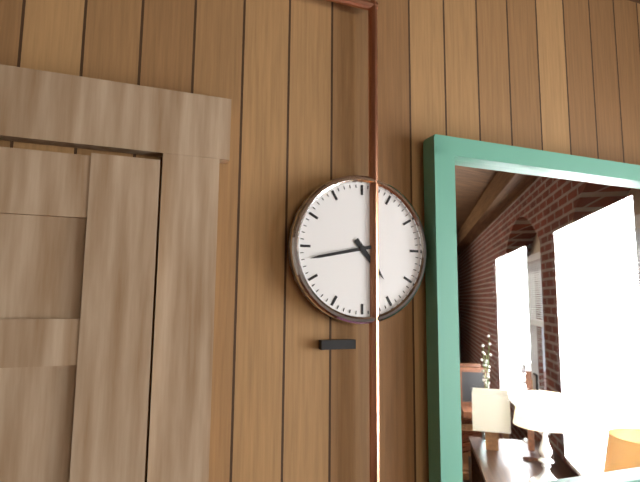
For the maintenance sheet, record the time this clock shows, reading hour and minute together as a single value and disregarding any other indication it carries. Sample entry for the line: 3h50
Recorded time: 4h43
